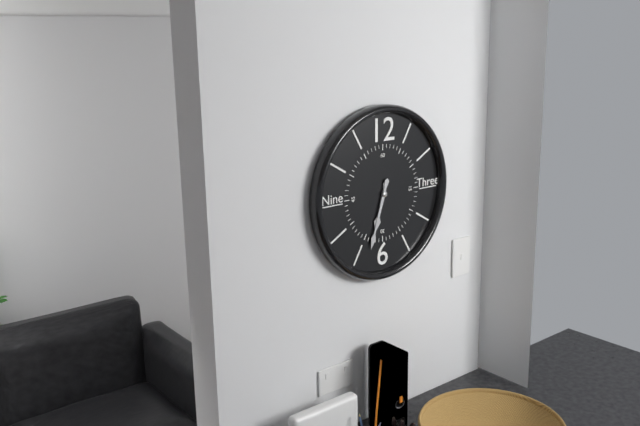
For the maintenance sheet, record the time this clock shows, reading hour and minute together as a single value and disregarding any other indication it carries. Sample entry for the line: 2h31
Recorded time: 6h33
